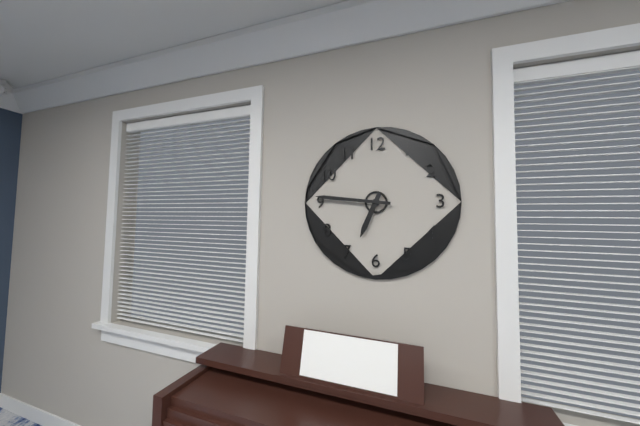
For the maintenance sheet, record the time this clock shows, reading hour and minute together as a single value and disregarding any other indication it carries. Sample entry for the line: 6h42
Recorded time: 6h46
